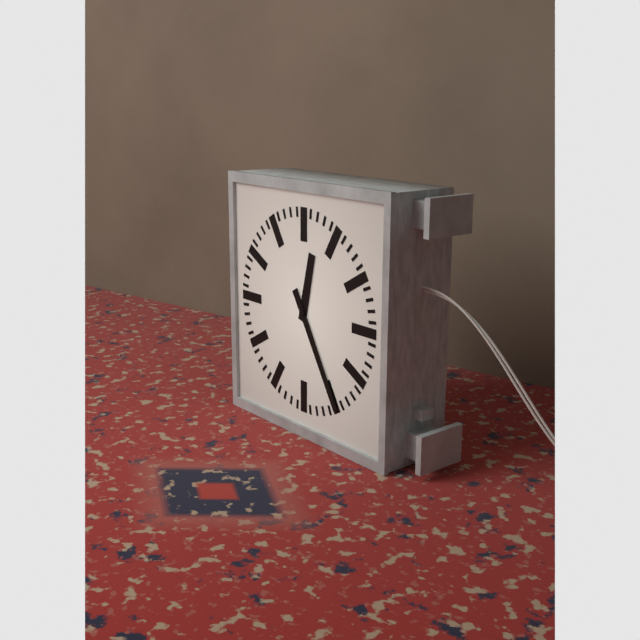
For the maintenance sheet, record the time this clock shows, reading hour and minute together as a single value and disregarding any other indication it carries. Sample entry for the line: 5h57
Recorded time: 12h25
